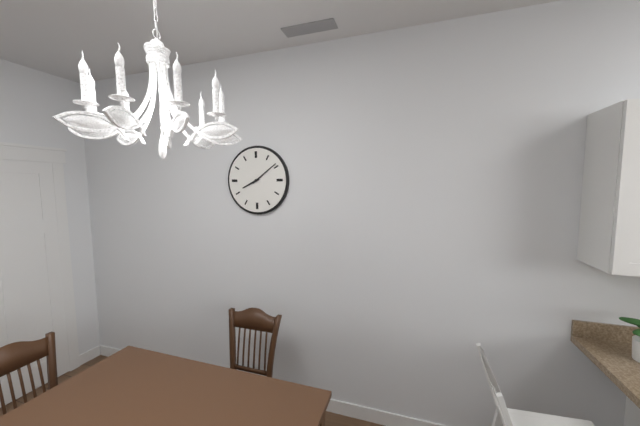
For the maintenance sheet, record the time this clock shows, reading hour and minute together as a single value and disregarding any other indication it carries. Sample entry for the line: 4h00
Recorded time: 8h09
